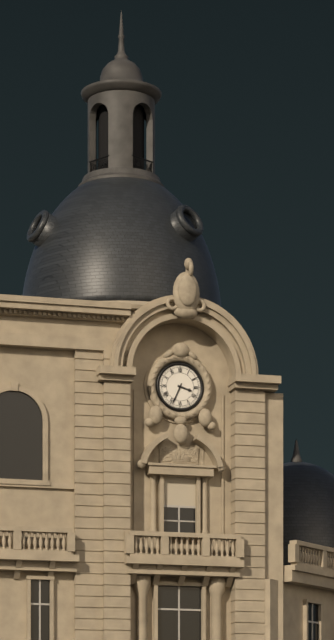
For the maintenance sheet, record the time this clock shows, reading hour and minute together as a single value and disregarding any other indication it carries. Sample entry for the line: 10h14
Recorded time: 3h34
